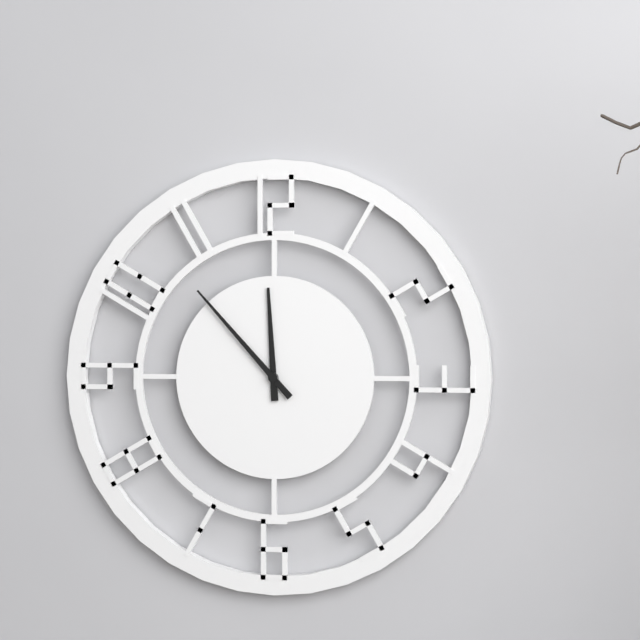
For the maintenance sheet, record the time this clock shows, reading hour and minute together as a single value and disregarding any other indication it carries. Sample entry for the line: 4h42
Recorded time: 11h53
